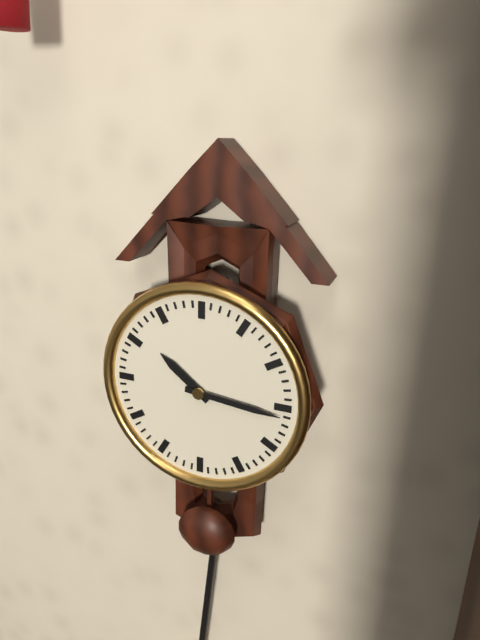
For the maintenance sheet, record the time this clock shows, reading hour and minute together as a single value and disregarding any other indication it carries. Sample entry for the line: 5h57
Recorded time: 10h16
